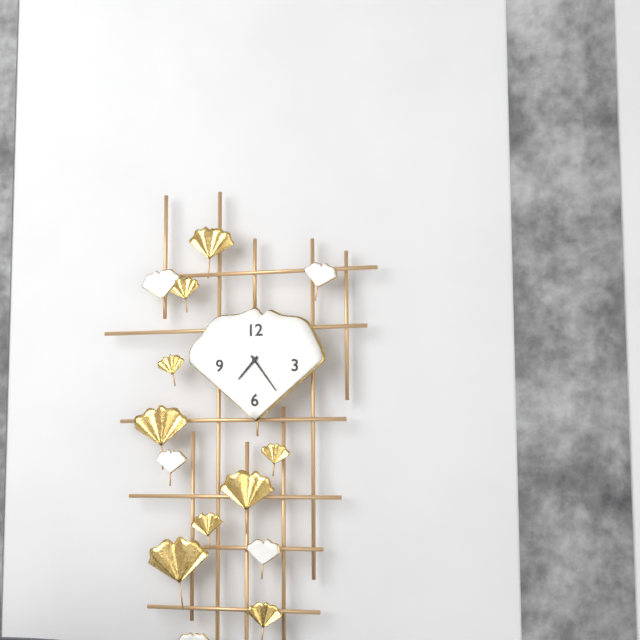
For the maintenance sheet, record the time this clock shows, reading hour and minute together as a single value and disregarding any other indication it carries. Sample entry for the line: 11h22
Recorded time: 7h24
